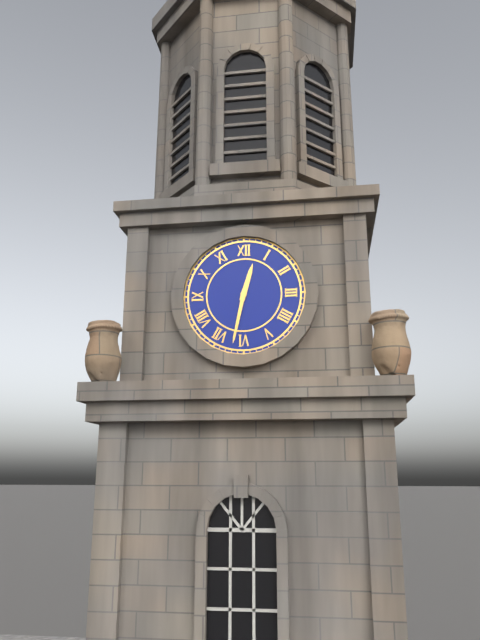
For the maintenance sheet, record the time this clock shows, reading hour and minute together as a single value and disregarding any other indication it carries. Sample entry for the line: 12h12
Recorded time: 12h32
